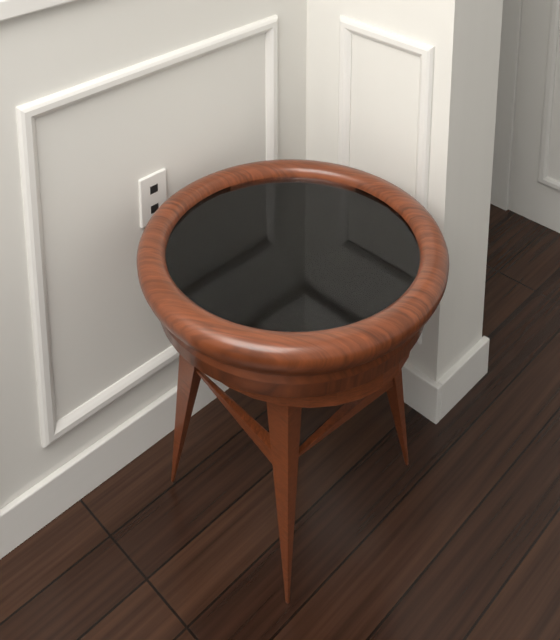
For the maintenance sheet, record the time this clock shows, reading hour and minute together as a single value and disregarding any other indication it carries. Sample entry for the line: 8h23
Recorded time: 4h26
